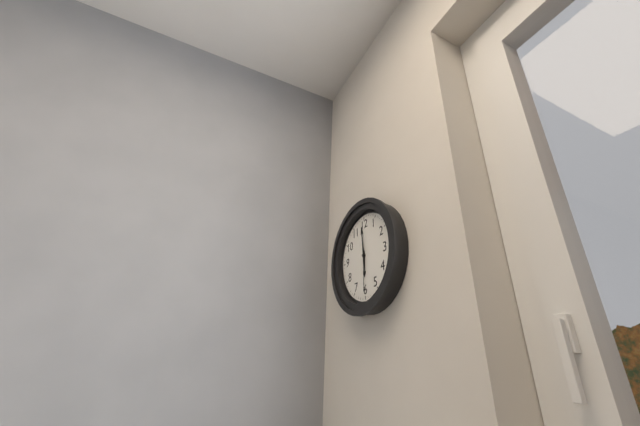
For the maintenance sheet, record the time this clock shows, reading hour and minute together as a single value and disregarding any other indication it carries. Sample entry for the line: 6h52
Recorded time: 5h59
